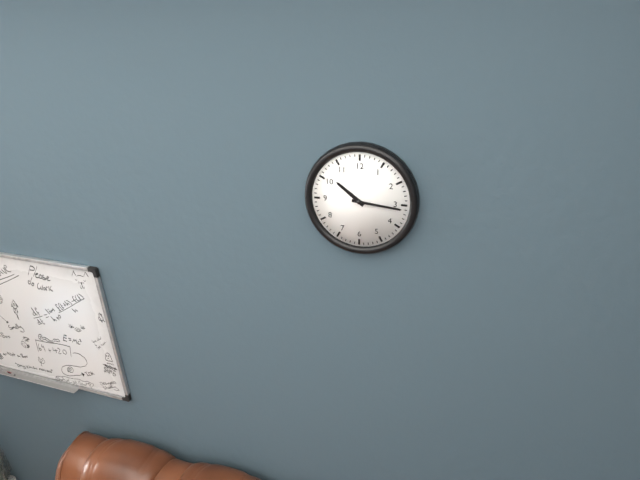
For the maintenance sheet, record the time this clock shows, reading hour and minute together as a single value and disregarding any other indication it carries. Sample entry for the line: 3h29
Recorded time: 10h16
